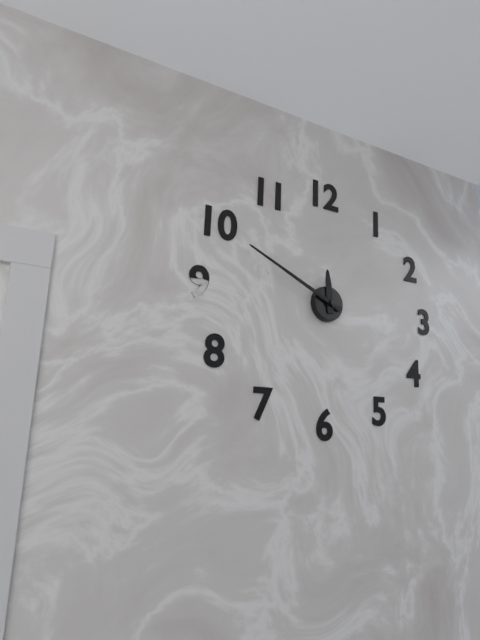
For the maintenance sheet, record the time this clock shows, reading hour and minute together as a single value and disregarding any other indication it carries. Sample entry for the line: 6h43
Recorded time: 11h49
